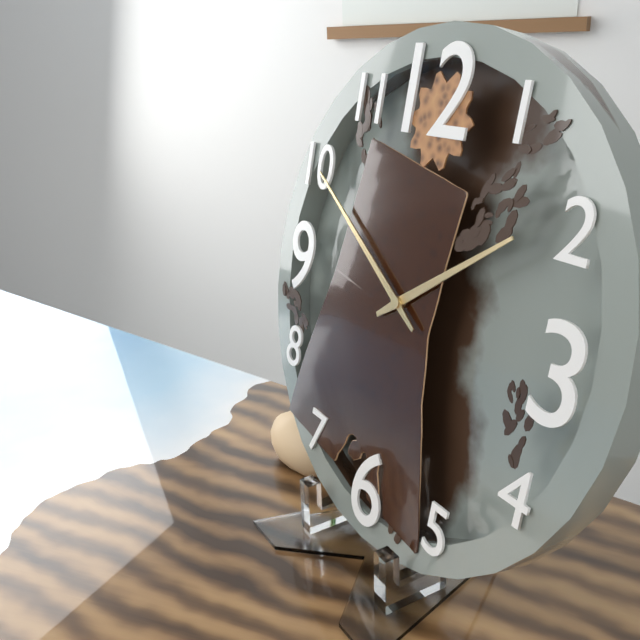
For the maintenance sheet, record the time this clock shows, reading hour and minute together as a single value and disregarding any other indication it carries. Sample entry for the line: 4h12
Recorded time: 1h50
